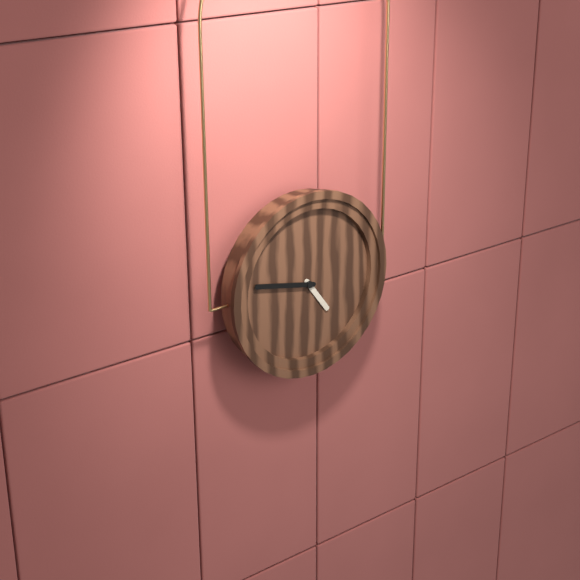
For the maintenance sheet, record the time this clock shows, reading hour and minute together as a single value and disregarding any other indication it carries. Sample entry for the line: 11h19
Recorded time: 4h47
